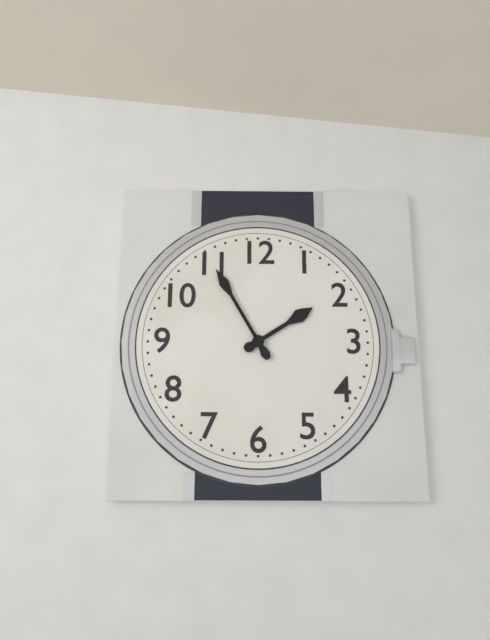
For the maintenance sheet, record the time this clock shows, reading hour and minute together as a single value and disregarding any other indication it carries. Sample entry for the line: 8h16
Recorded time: 1h55
